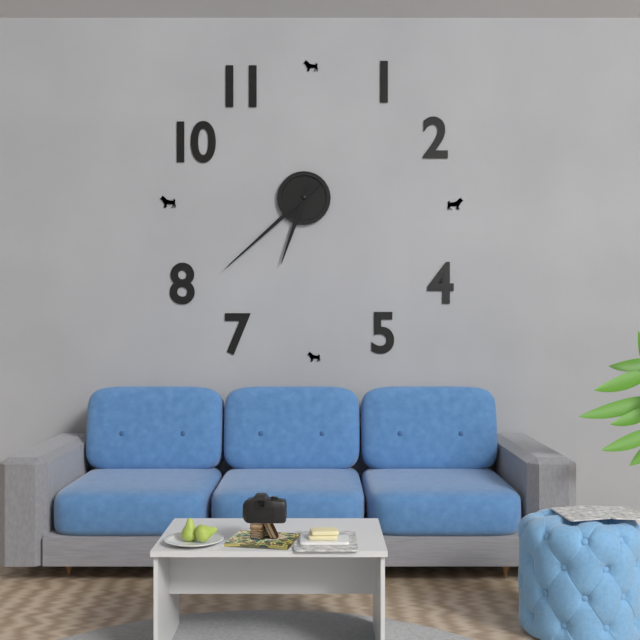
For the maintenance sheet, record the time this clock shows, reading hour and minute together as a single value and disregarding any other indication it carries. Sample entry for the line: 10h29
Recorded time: 6h38
